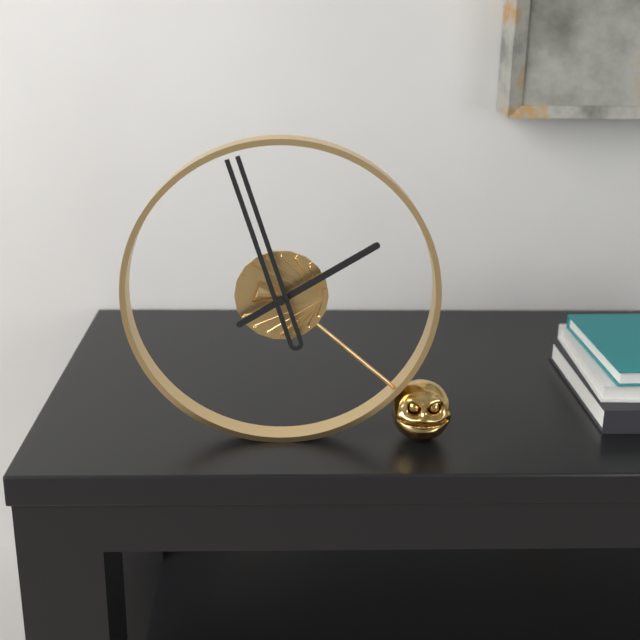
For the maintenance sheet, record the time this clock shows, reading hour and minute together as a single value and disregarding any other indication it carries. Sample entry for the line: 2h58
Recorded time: 1h57
